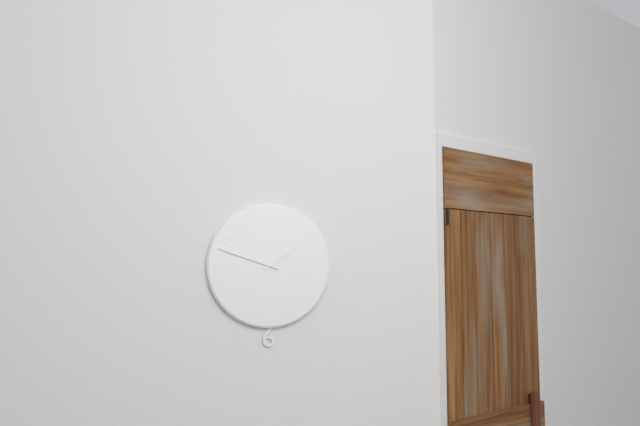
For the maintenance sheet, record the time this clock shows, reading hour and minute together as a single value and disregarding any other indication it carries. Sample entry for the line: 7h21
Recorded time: 1h48
